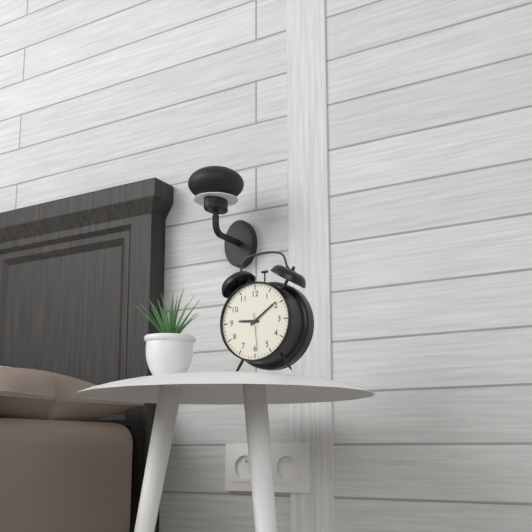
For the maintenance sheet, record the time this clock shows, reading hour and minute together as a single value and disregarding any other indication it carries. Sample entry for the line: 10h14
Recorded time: 9h09
